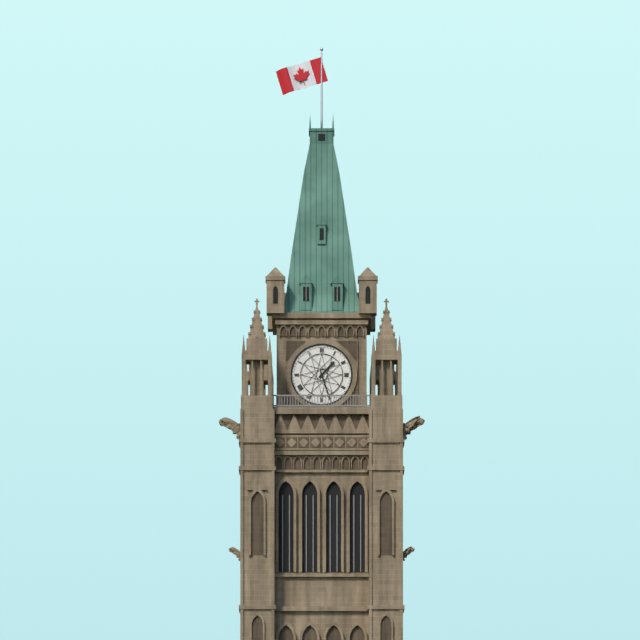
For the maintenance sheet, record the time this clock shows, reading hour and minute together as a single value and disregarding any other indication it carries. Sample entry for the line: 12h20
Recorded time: 1h27
